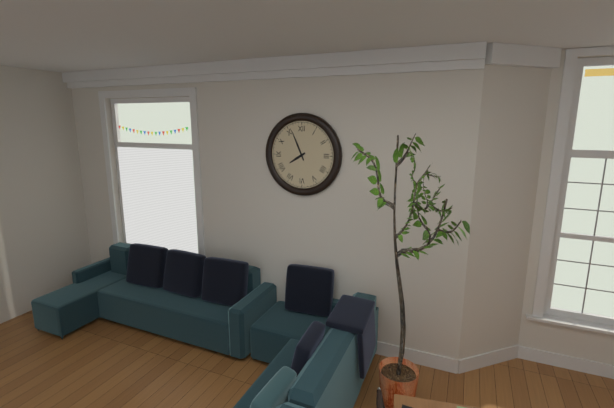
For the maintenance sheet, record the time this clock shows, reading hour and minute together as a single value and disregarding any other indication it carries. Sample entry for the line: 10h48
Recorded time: 7h56
